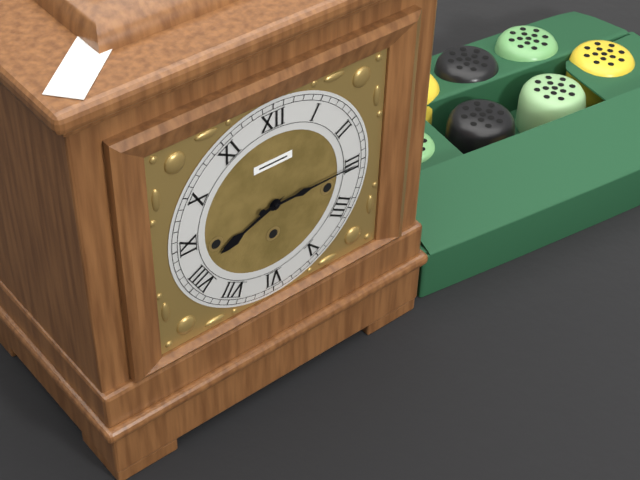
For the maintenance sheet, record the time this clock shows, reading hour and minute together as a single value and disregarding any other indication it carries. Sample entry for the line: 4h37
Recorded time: 8h15
